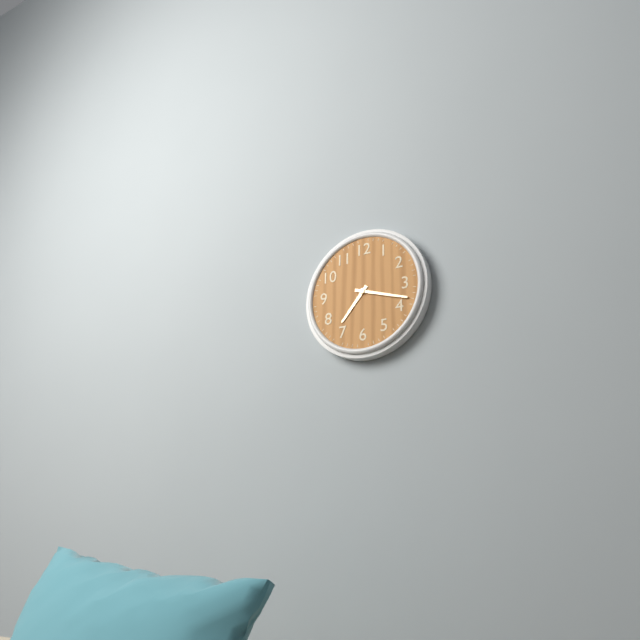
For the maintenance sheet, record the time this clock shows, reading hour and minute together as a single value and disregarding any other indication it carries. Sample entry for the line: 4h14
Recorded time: 7h18
